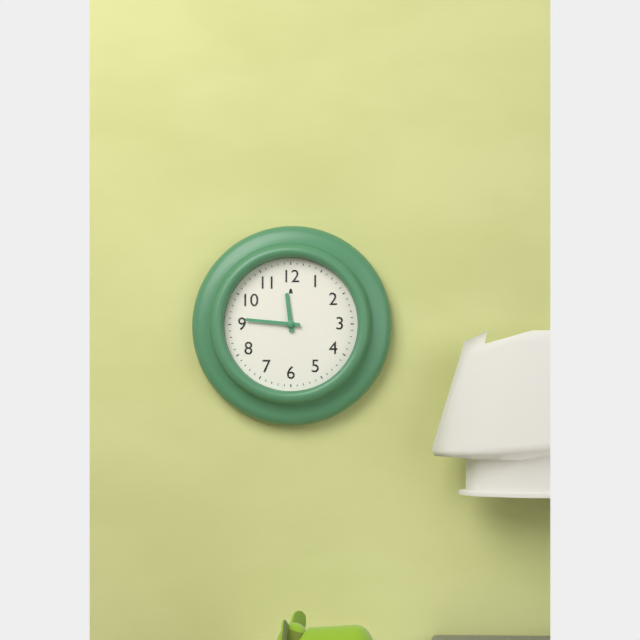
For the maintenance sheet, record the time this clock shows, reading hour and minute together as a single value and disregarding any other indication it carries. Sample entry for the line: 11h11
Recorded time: 11h46
